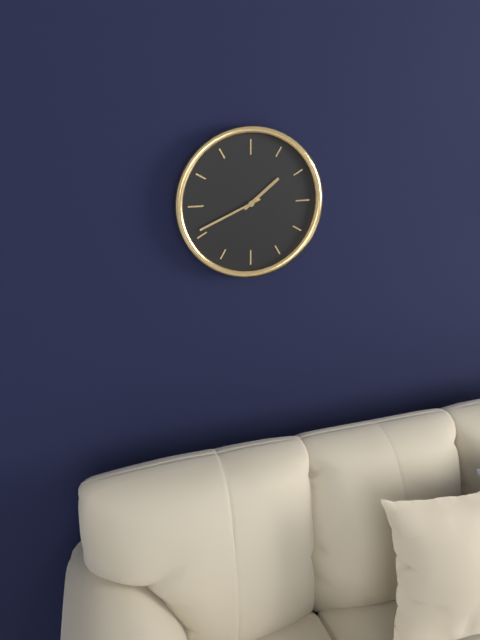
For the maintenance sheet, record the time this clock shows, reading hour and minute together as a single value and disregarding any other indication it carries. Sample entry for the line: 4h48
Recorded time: 1h41
